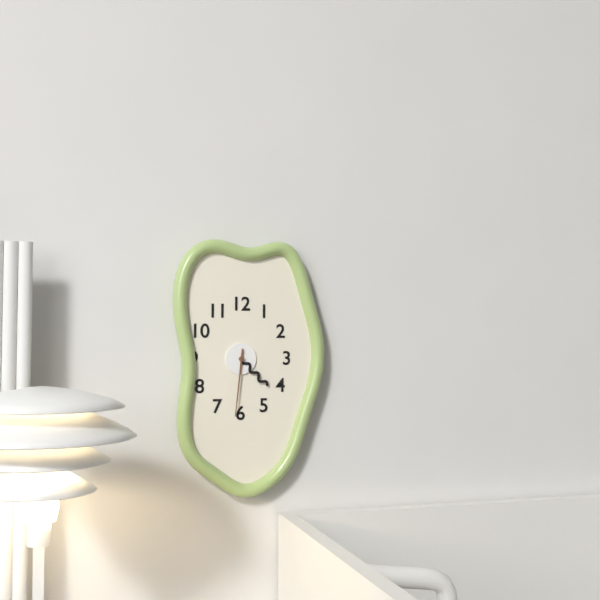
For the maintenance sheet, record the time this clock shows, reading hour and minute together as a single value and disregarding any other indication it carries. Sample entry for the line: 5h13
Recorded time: 4h31
